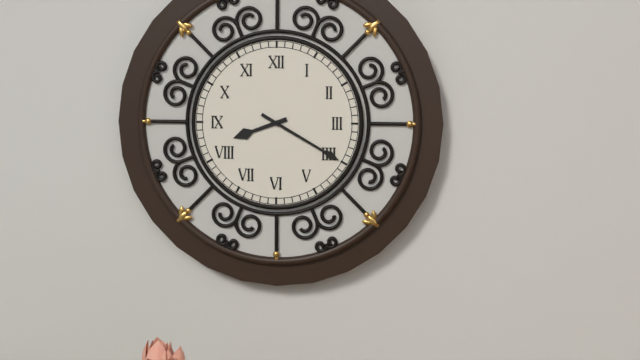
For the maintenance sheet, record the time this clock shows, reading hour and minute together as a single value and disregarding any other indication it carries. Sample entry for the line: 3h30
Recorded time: 8h20
